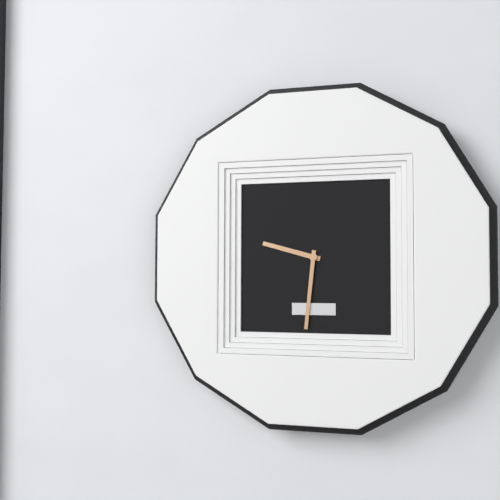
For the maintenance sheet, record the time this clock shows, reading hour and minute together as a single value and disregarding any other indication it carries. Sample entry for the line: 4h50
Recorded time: 9h31
